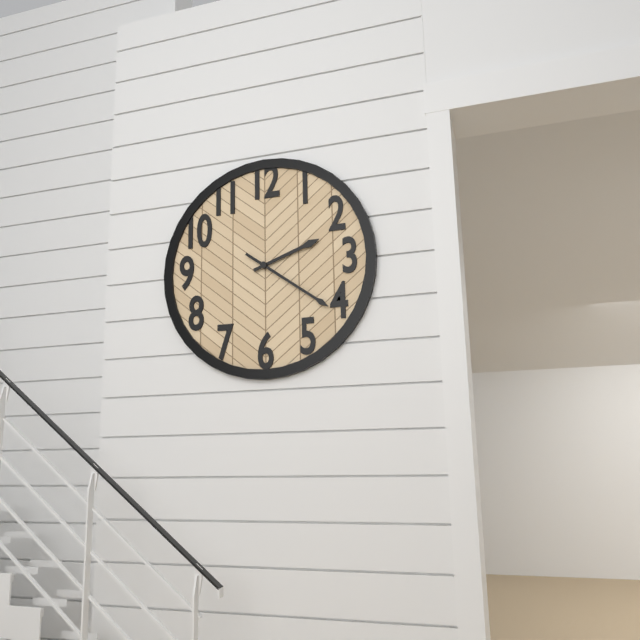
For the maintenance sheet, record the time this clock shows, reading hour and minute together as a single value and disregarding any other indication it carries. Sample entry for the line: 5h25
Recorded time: 2h21
